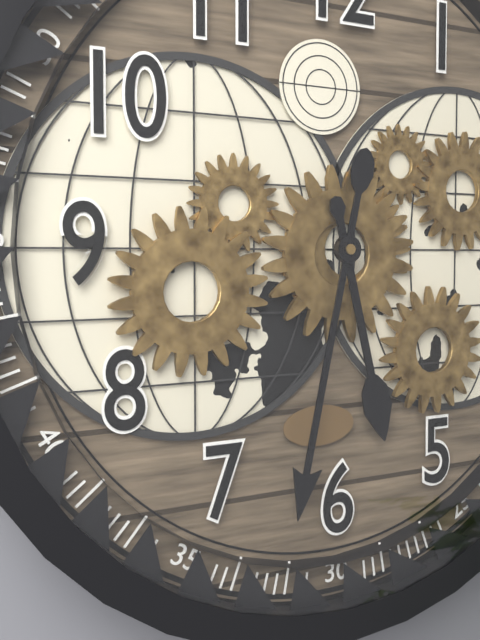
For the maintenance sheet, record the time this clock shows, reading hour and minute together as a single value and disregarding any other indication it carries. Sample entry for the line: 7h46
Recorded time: 5h32
